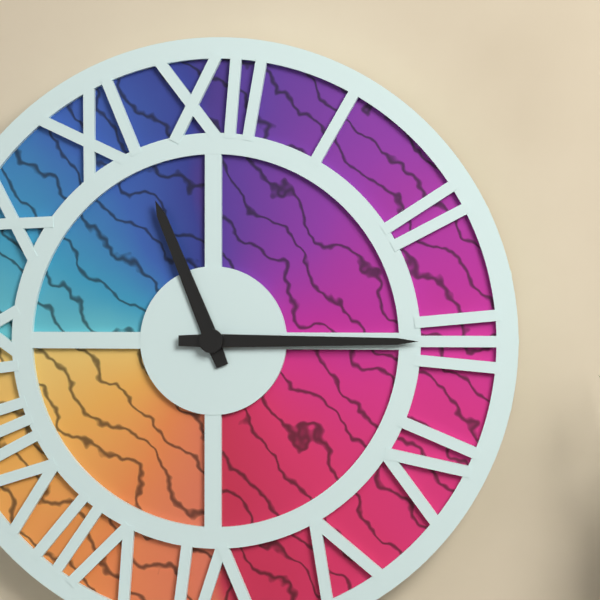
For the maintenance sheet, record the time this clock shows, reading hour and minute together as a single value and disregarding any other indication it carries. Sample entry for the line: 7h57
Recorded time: 11h15
